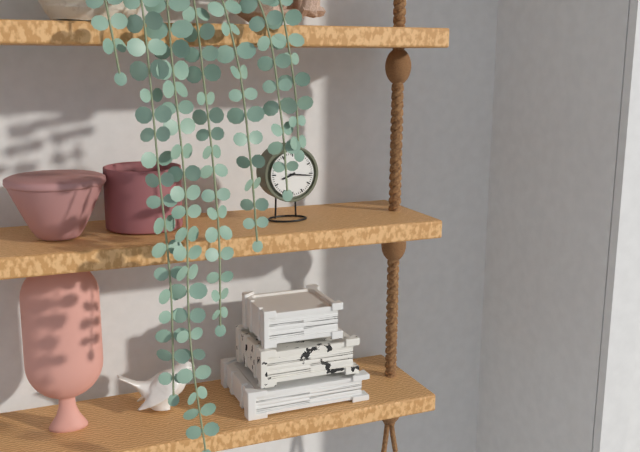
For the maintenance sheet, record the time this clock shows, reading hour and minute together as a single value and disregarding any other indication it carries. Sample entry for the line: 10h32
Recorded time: 8h16
